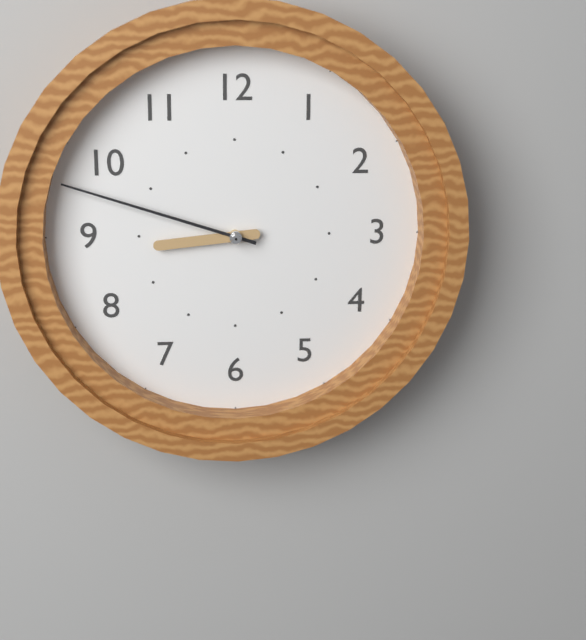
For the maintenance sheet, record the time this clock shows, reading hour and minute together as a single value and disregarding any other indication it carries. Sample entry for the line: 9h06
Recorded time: 8h48
